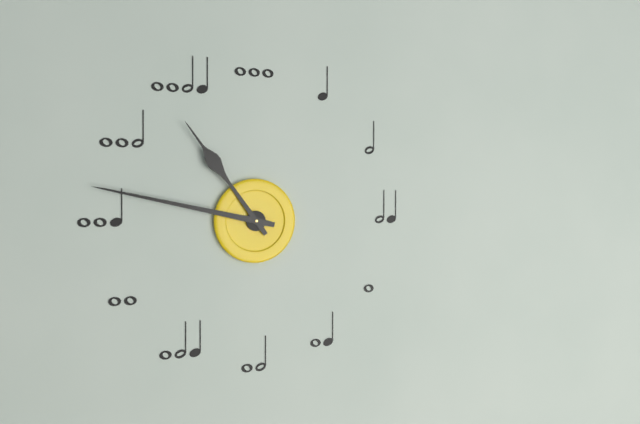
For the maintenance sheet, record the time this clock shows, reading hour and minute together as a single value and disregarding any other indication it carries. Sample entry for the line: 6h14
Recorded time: 10h47
